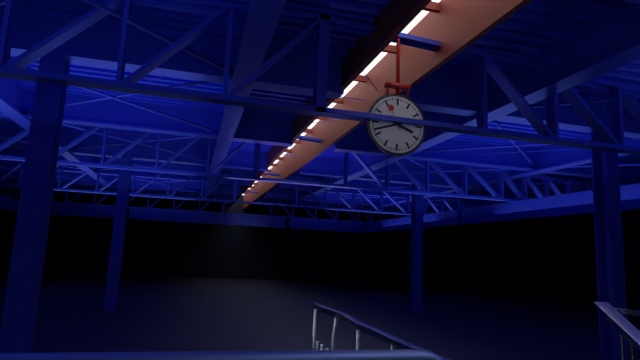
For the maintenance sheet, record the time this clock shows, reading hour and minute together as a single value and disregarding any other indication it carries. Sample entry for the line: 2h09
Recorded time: 3h42
